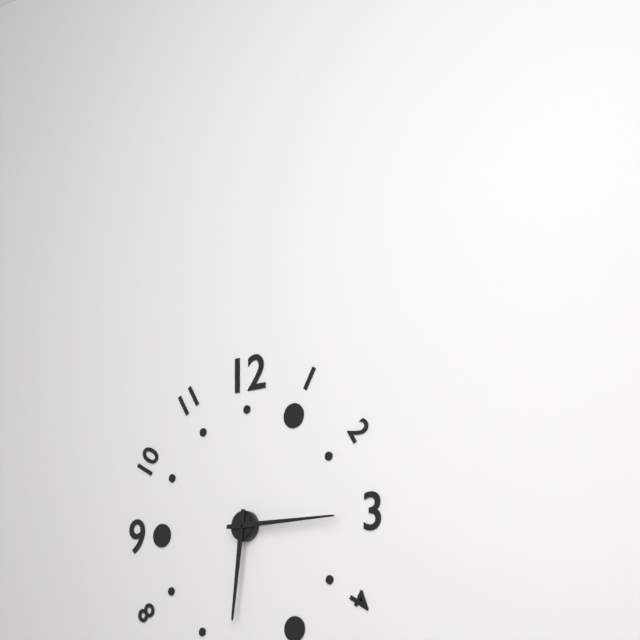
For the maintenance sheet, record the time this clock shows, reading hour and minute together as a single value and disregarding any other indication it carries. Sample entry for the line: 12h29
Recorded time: 6h15
